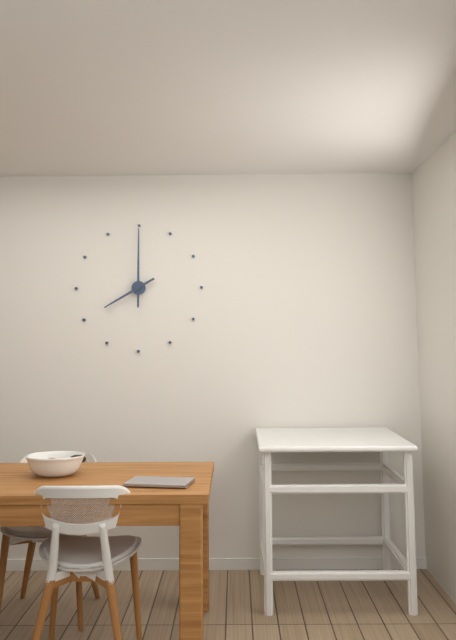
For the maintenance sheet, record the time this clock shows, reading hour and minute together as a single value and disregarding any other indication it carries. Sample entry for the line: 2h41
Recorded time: 8h00
